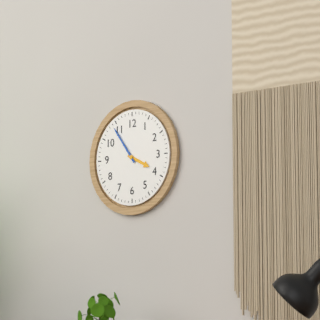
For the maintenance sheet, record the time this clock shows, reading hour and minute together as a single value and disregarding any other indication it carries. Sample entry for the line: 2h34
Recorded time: 3h54
